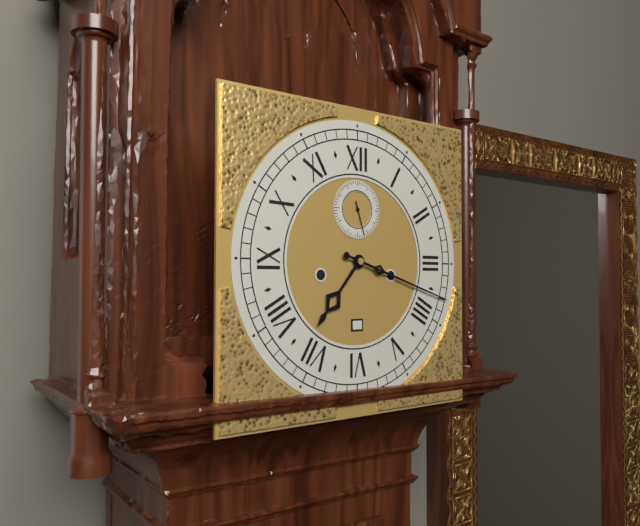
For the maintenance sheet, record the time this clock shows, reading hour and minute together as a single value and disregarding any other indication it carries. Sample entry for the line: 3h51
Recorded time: 7h18
